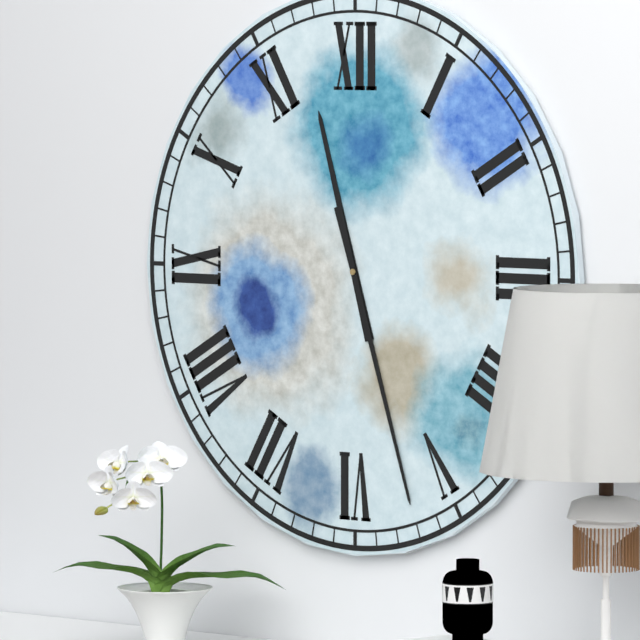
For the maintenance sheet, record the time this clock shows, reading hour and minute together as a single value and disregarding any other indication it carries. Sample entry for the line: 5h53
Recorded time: 11h27
